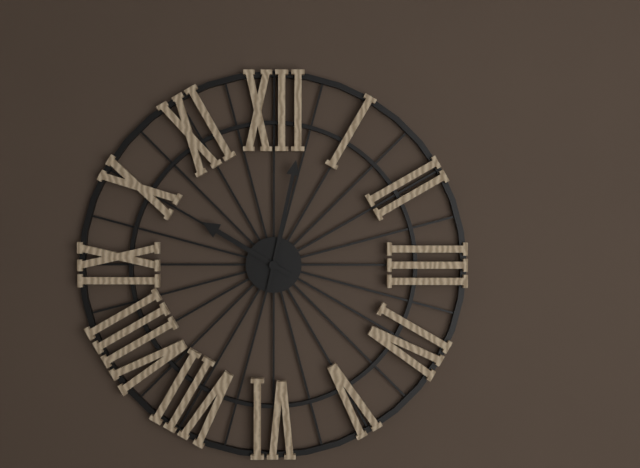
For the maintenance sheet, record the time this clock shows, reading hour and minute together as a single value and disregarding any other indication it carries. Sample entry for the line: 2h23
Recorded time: 10h02
